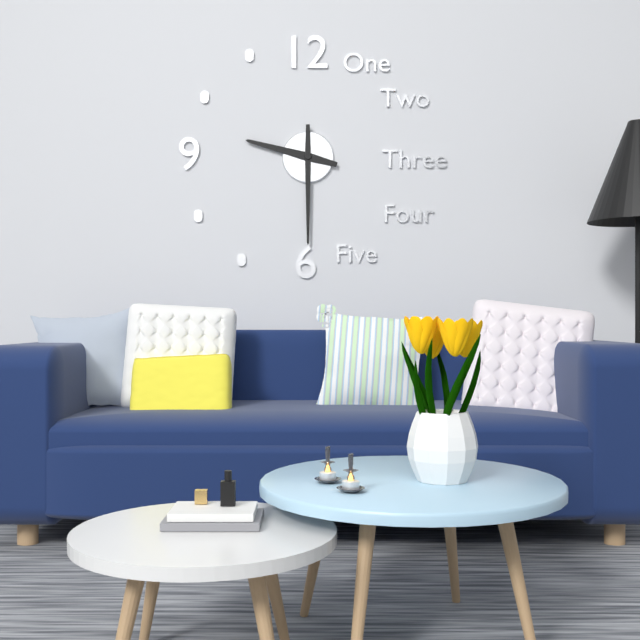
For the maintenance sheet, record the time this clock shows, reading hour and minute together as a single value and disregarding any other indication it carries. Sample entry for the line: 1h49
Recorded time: 9h30
